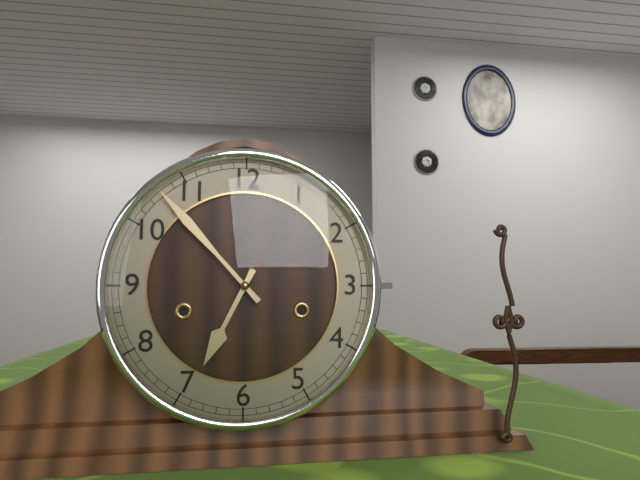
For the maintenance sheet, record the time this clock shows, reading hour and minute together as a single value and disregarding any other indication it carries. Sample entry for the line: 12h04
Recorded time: 6h53
